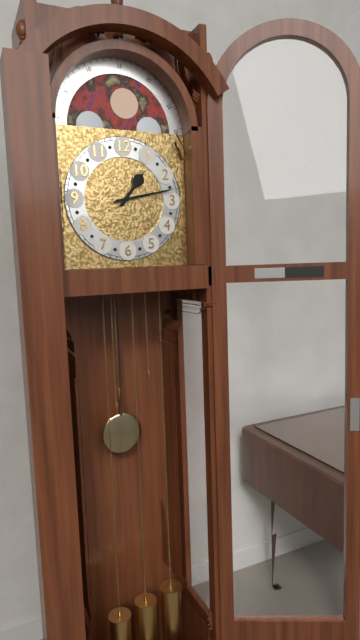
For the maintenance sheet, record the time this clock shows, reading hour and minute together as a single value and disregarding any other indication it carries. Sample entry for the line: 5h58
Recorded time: 1h13
